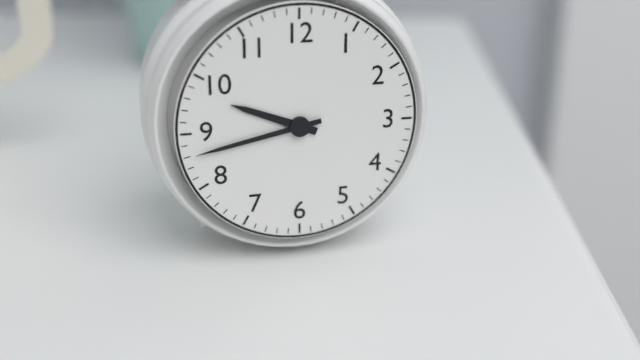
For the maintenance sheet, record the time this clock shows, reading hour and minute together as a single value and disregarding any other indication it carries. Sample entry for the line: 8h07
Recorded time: 9h43
